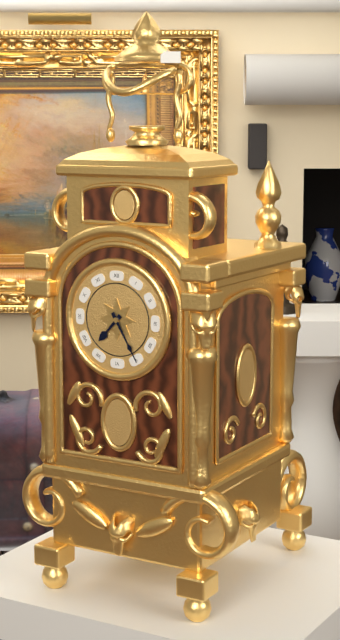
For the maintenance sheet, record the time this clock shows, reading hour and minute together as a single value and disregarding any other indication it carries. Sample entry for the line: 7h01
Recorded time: 7h25
